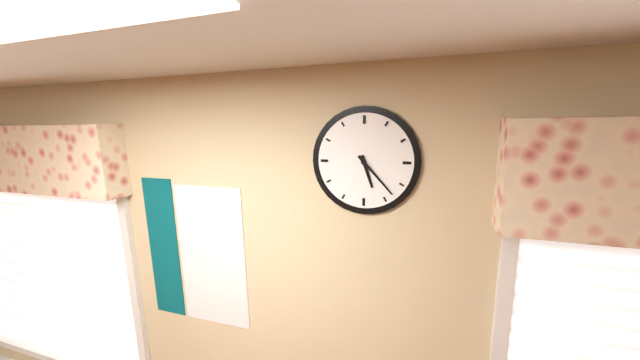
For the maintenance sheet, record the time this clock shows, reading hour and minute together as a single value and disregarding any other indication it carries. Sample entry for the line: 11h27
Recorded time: 5h23
